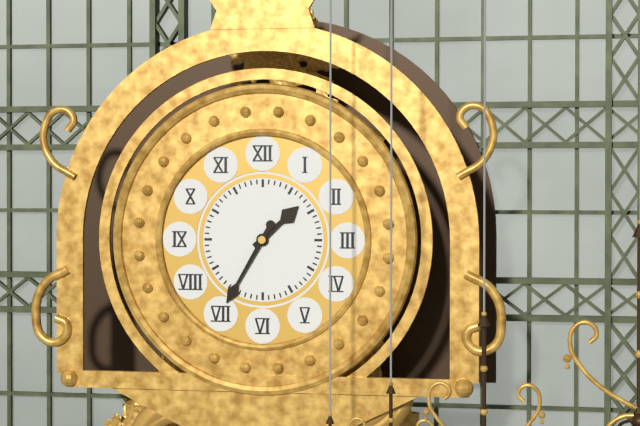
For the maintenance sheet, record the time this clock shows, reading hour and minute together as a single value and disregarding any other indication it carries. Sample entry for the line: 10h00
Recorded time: 1h35
